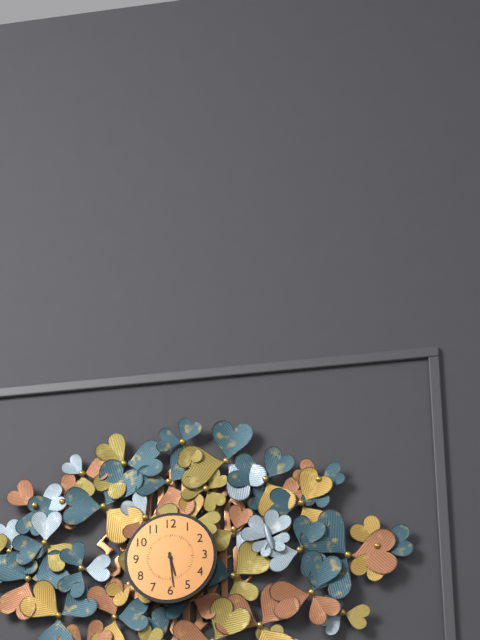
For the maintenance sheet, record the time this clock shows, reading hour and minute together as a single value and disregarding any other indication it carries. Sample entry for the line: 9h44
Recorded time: 5h29
